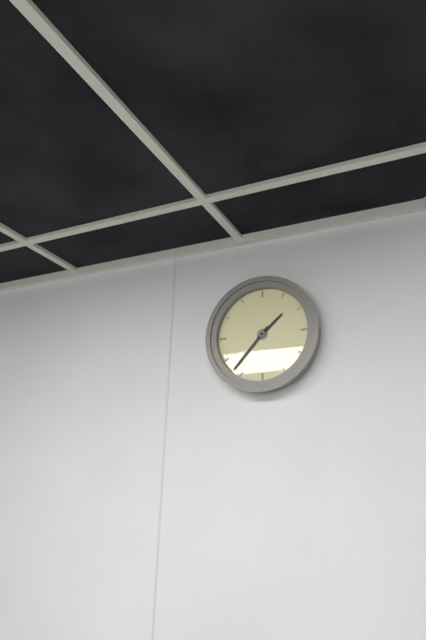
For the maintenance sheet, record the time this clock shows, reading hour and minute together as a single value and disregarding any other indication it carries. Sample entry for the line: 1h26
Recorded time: 1h37
